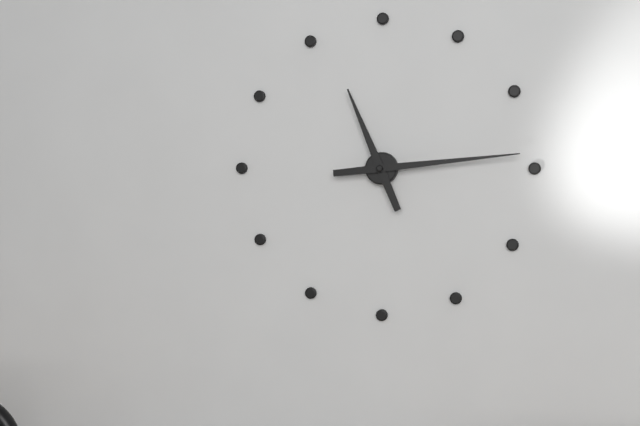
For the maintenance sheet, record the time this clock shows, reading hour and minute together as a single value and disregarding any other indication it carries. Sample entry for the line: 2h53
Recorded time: 11h14
